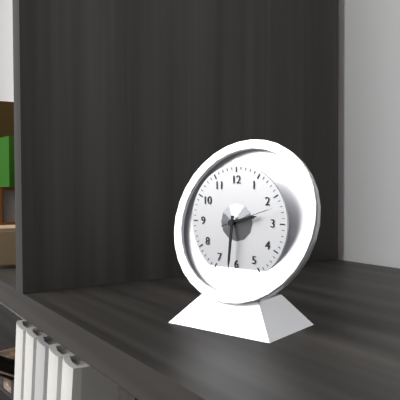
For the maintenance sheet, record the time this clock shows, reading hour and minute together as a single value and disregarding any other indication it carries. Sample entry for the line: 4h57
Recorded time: 2h31
